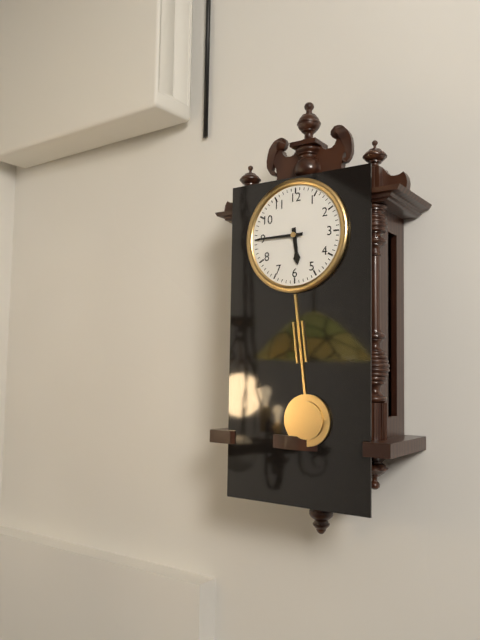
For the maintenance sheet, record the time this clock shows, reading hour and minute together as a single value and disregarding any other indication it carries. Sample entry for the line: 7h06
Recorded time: 5h45
